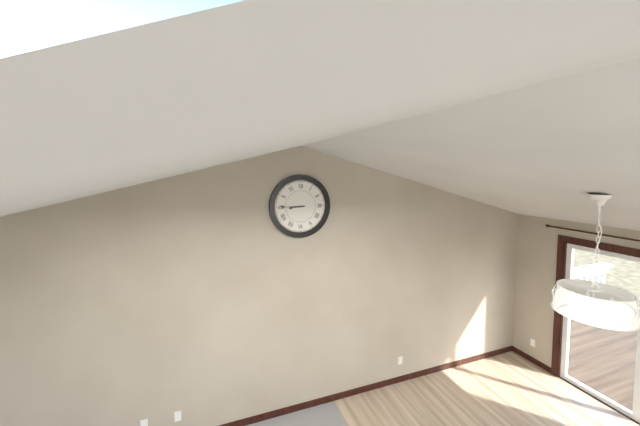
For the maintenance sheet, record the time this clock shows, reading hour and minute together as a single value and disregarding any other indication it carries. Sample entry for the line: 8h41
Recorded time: 8h45
